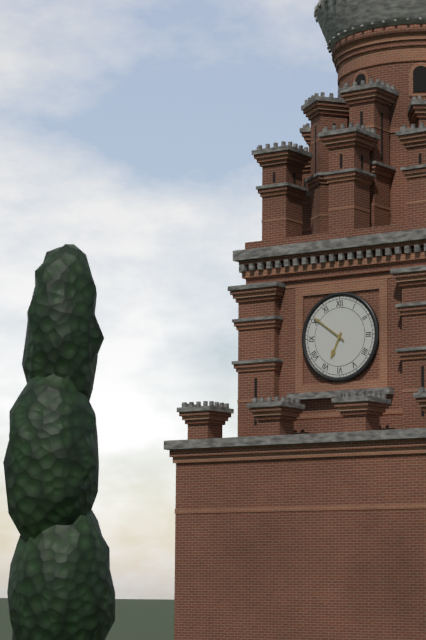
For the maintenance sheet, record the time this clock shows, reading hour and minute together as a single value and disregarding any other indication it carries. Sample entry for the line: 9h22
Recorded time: 6h51
